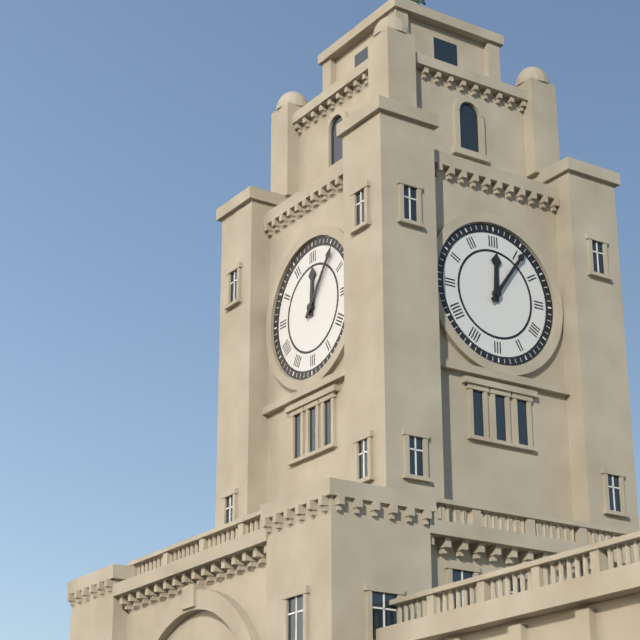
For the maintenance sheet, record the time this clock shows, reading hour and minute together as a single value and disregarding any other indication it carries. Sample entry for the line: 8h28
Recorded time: 12h06
